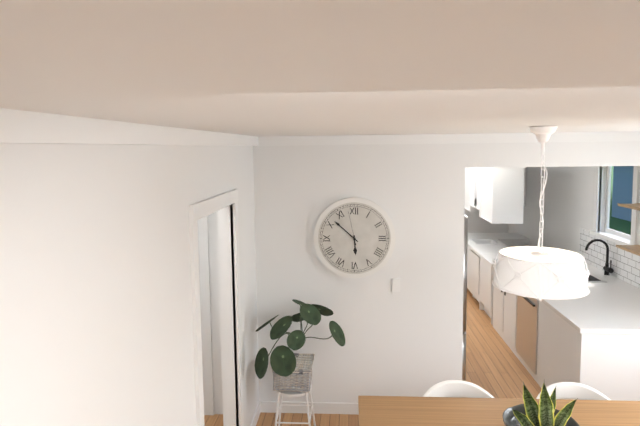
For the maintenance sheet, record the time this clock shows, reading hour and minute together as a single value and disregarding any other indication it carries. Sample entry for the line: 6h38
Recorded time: 5h52
